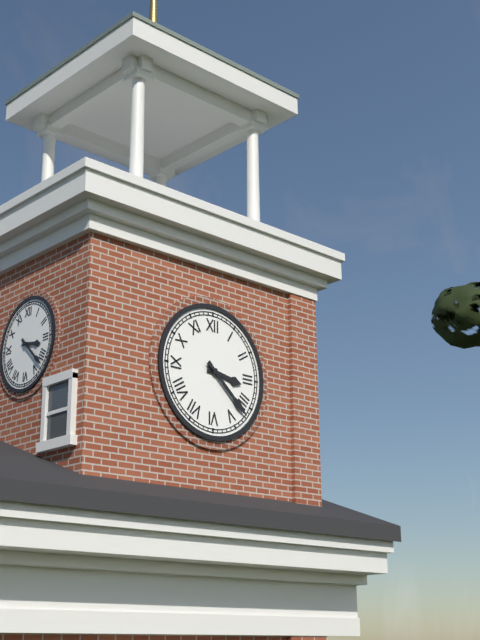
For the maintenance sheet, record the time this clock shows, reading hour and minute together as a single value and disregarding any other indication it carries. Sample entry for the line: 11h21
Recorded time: 3h22
